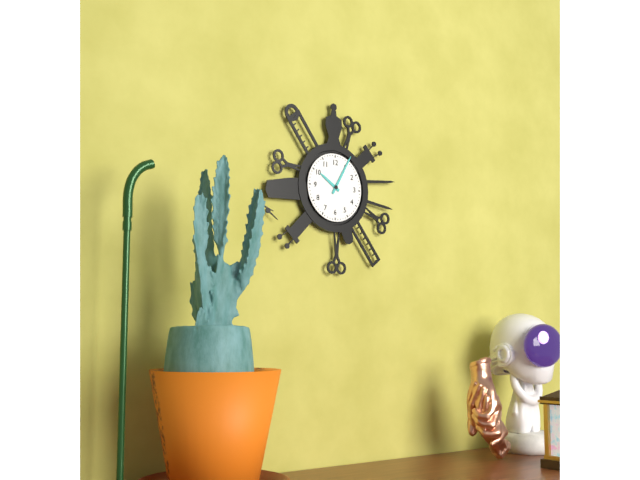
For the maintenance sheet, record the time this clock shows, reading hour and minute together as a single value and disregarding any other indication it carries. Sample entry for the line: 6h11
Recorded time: 10h05
